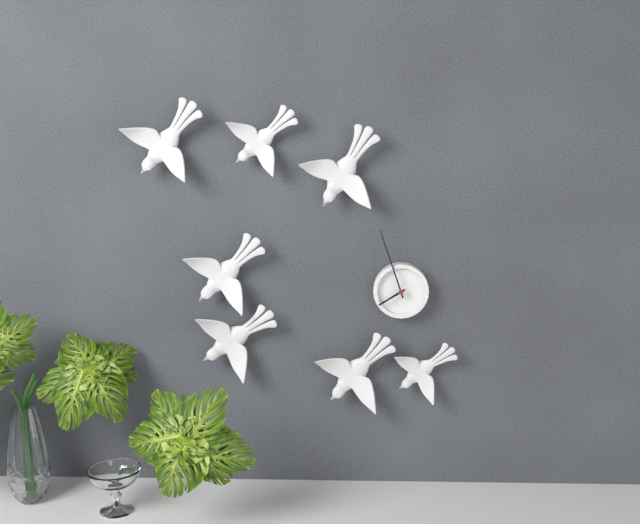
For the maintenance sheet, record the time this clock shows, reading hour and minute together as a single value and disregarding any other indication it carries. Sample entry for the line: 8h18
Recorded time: 7h57
